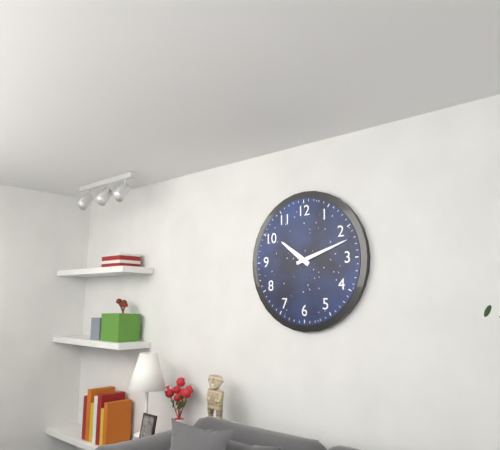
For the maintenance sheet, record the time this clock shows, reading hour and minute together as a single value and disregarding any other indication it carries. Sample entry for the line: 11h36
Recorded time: 10h12
